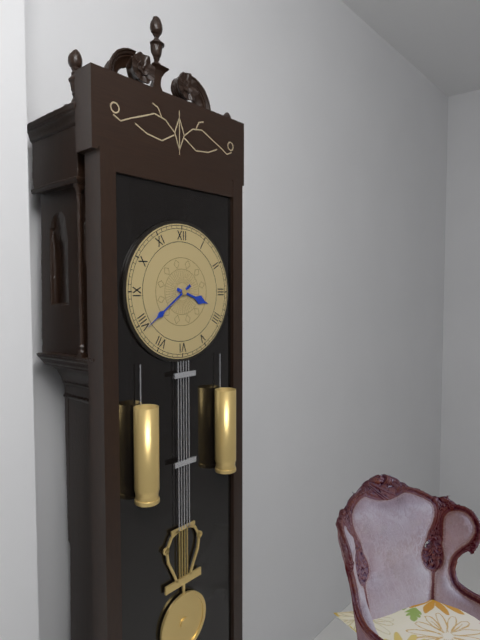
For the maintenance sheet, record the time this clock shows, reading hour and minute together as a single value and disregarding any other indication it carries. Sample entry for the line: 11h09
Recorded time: 3h39
